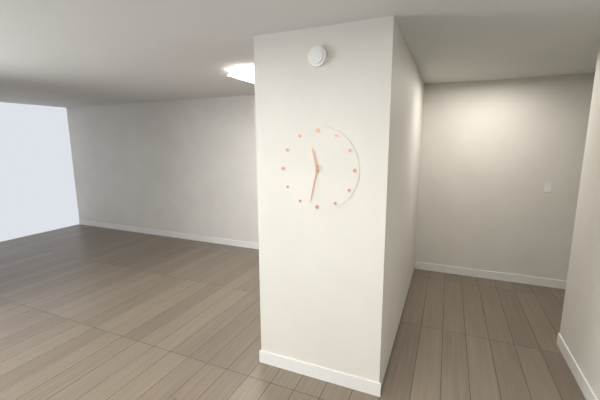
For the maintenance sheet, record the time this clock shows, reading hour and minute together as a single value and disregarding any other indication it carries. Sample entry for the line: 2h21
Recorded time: 11h32
